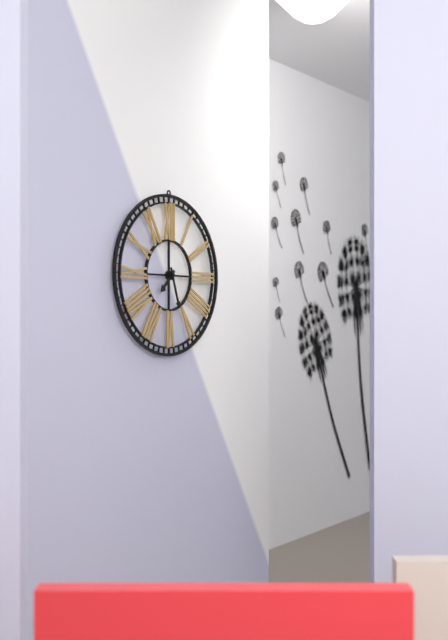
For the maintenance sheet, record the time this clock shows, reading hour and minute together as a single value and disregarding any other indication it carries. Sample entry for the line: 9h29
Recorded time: 7h27
